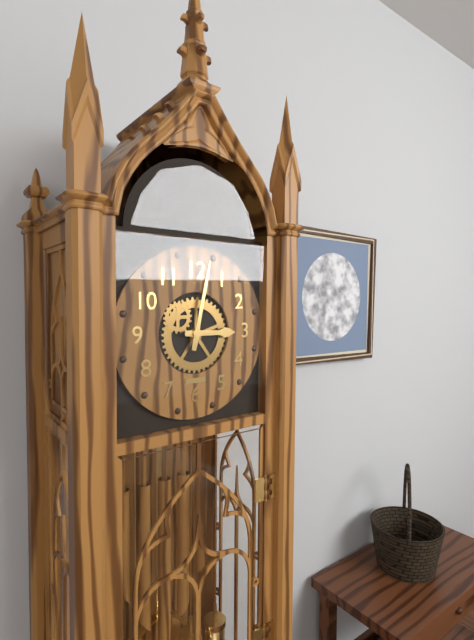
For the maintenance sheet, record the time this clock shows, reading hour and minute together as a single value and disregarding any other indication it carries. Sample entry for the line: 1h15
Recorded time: 3h02
